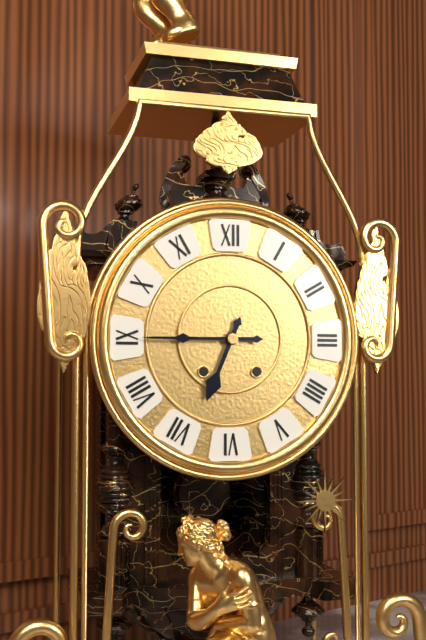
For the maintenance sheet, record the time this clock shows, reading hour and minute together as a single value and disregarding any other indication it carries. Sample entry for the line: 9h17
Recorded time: 6h45
